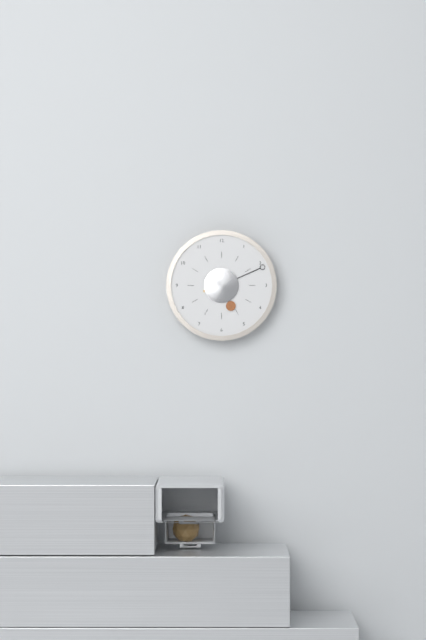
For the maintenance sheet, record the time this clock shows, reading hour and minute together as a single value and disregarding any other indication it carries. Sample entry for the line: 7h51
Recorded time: 5h11
